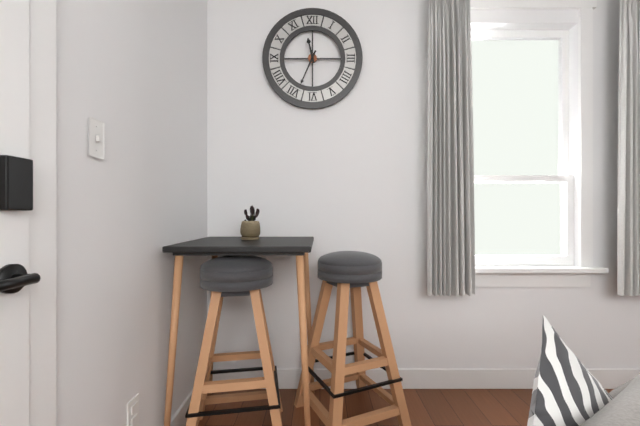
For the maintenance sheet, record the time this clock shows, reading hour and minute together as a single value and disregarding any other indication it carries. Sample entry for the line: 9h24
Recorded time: 11h34
